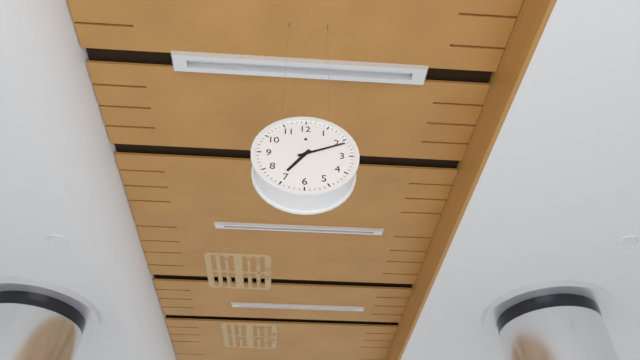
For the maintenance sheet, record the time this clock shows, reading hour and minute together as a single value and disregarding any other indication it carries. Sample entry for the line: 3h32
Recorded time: 7h11
